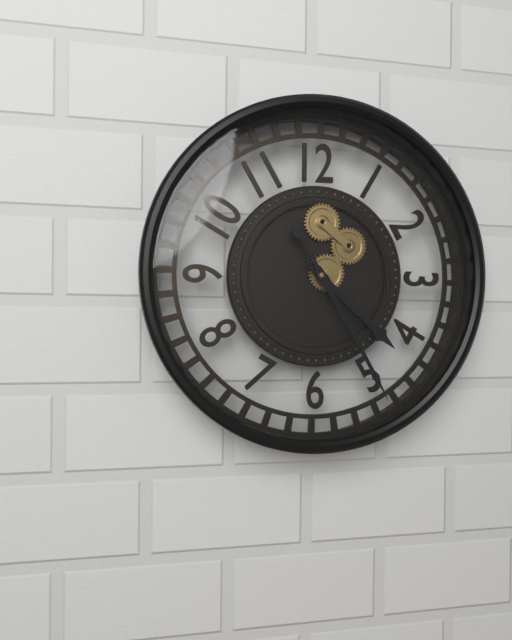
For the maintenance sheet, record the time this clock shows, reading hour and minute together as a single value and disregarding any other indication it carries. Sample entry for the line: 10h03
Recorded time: 4h25
